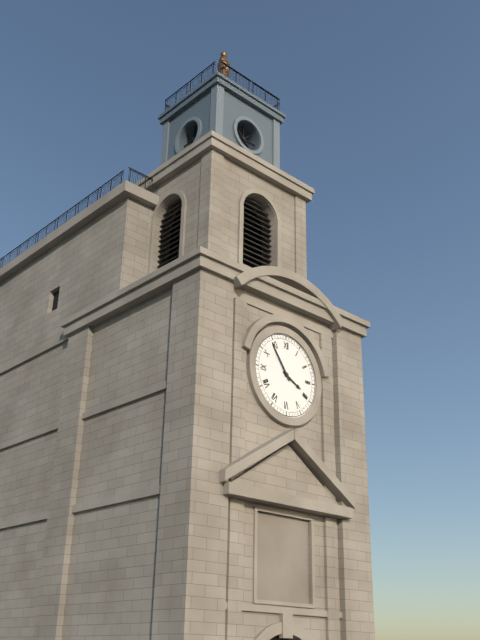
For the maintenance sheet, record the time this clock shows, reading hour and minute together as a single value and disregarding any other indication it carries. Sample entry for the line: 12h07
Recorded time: 3h54
